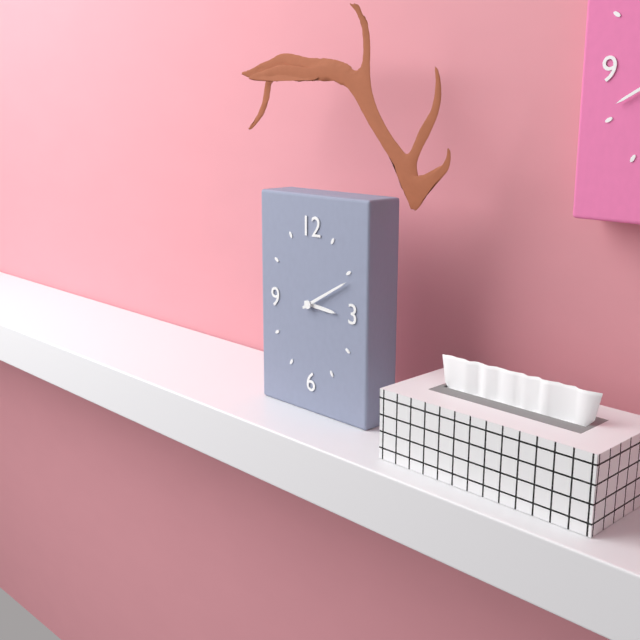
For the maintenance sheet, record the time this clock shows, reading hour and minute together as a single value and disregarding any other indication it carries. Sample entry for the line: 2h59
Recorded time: 3h10
